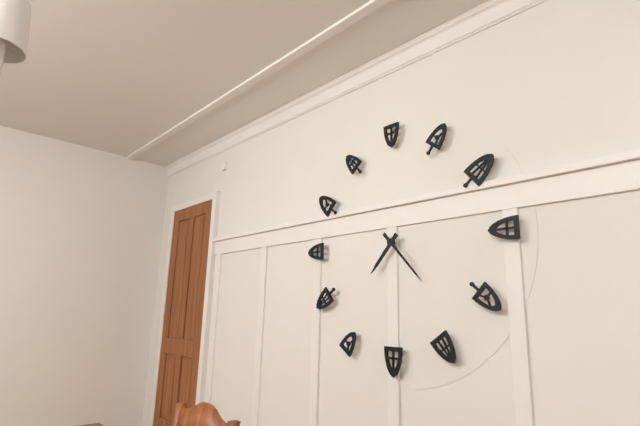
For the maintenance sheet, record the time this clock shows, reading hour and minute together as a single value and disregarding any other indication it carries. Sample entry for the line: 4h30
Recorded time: 7h23
